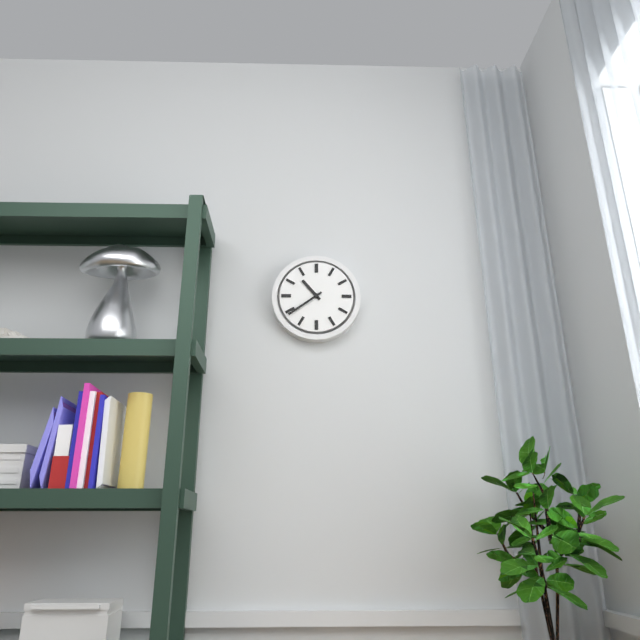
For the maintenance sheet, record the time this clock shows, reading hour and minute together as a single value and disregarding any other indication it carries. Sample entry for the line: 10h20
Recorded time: 10h39
